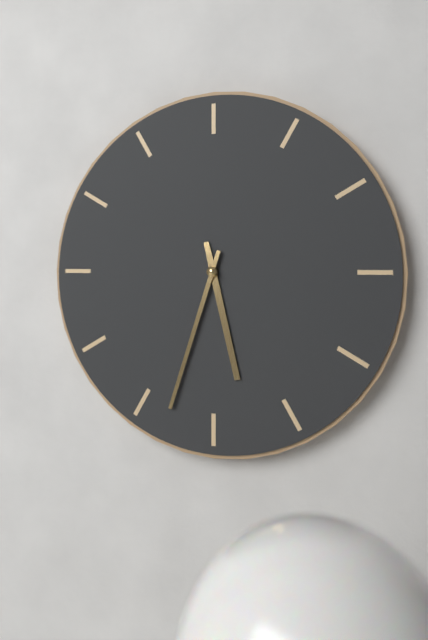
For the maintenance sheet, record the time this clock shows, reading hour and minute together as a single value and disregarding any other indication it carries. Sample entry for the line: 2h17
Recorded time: 5h33
